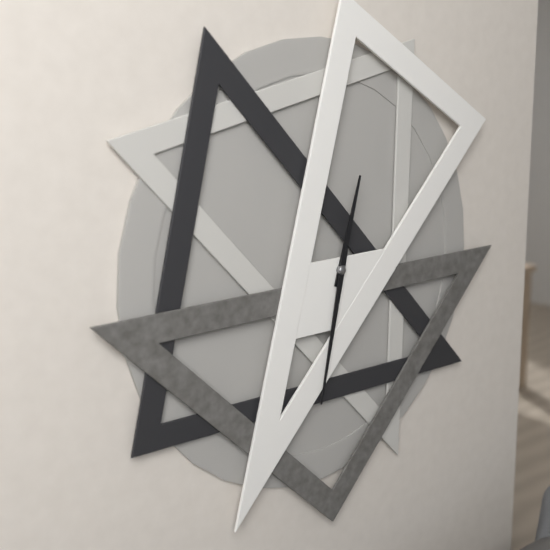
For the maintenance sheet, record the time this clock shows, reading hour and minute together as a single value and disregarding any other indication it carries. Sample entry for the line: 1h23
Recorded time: 12h32
